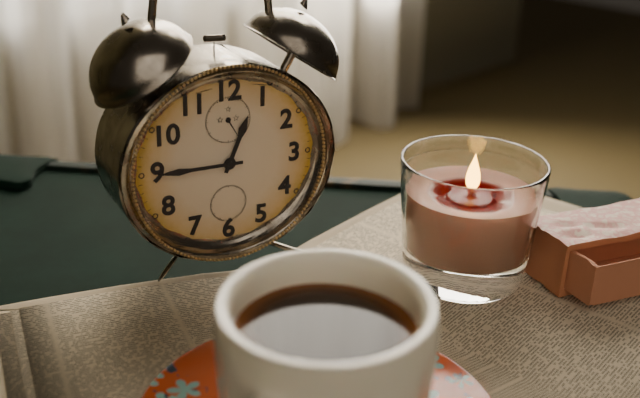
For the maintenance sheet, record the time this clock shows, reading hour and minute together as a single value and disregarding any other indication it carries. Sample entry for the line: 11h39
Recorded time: 12h45
